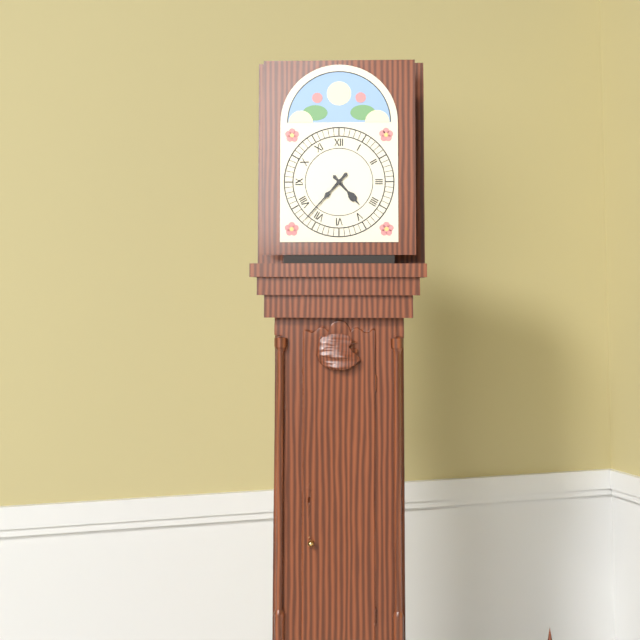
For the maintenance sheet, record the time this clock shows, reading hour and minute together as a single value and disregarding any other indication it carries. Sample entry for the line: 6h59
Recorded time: 4h37
